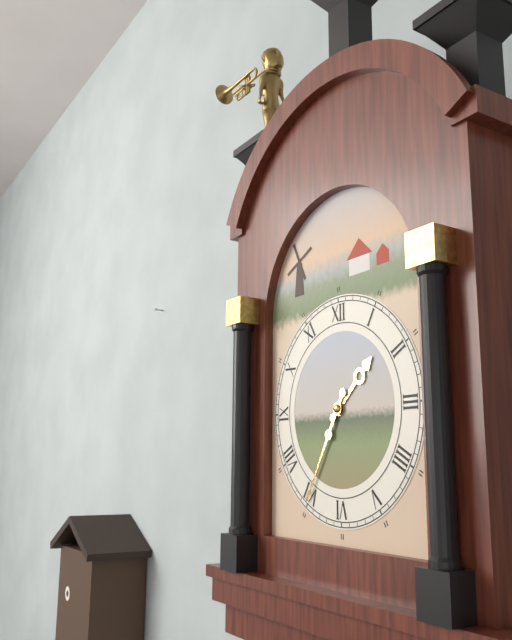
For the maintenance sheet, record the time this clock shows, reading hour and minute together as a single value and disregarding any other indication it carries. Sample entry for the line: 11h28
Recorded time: 1h35
